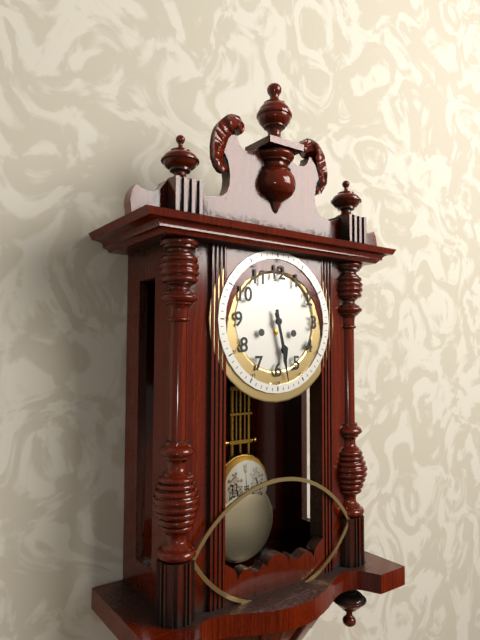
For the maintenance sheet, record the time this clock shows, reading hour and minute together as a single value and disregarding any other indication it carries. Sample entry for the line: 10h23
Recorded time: 5h28
